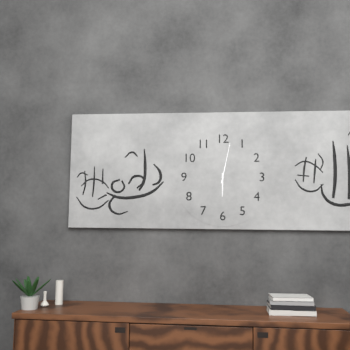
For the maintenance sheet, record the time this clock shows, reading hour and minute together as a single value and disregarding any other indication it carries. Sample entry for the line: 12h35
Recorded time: 6h02
